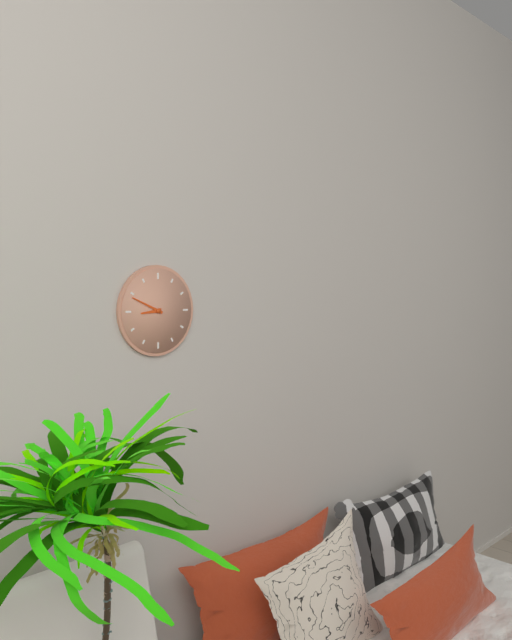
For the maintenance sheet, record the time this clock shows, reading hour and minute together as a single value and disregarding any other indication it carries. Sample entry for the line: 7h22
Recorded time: 8h49
